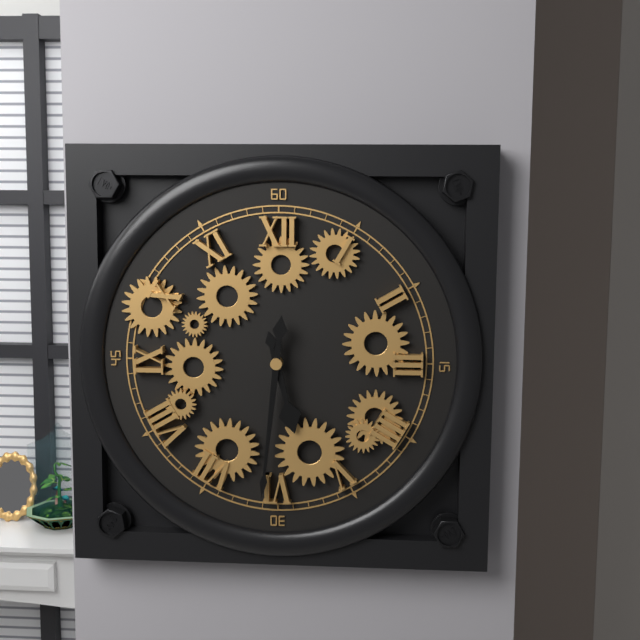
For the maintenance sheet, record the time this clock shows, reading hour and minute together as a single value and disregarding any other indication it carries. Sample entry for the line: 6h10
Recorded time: 5h31
